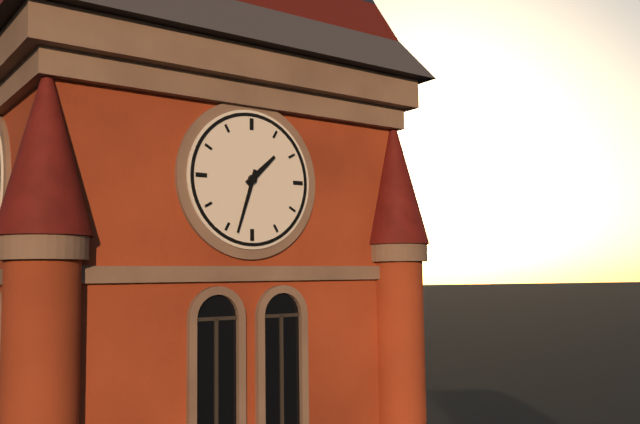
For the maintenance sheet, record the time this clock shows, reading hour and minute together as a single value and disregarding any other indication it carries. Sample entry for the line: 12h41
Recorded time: 1h33
